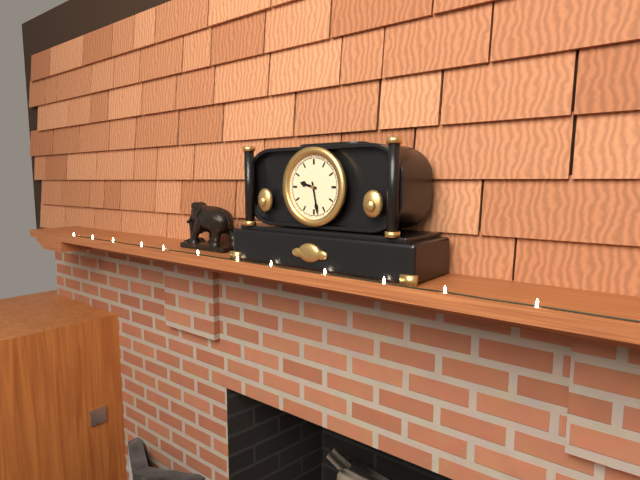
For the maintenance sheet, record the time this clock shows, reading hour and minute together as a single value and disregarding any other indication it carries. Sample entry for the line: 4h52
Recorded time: 9h28
